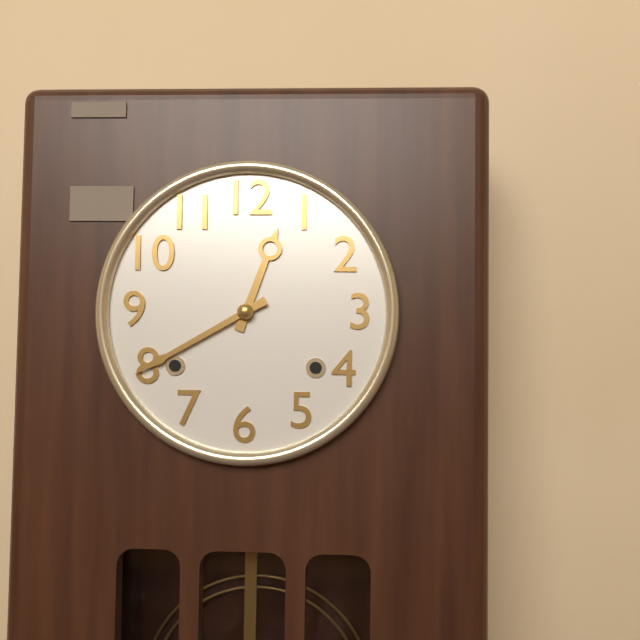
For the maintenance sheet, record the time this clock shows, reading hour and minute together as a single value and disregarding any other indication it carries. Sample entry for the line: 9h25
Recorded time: 12h40
